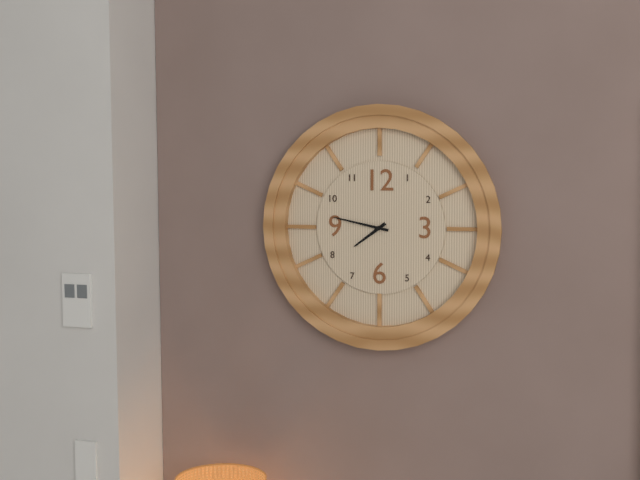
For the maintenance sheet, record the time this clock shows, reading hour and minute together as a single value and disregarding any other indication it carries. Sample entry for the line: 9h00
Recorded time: 7h47
